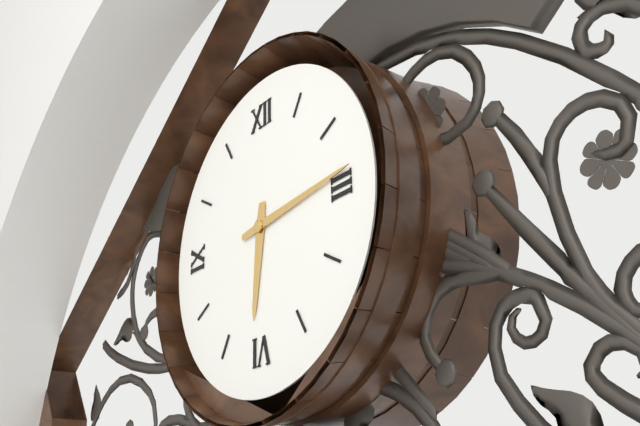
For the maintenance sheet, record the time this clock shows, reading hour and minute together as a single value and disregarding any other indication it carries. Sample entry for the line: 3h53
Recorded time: 6h14
